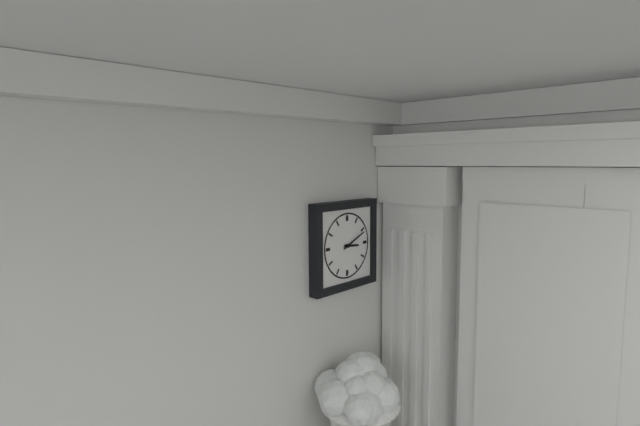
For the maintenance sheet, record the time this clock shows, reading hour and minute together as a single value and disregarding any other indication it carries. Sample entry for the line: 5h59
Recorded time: 3h11
